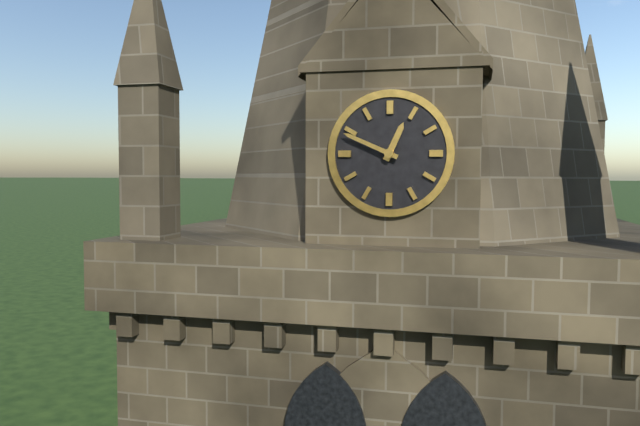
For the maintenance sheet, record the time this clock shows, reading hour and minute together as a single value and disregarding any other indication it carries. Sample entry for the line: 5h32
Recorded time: 12h49
